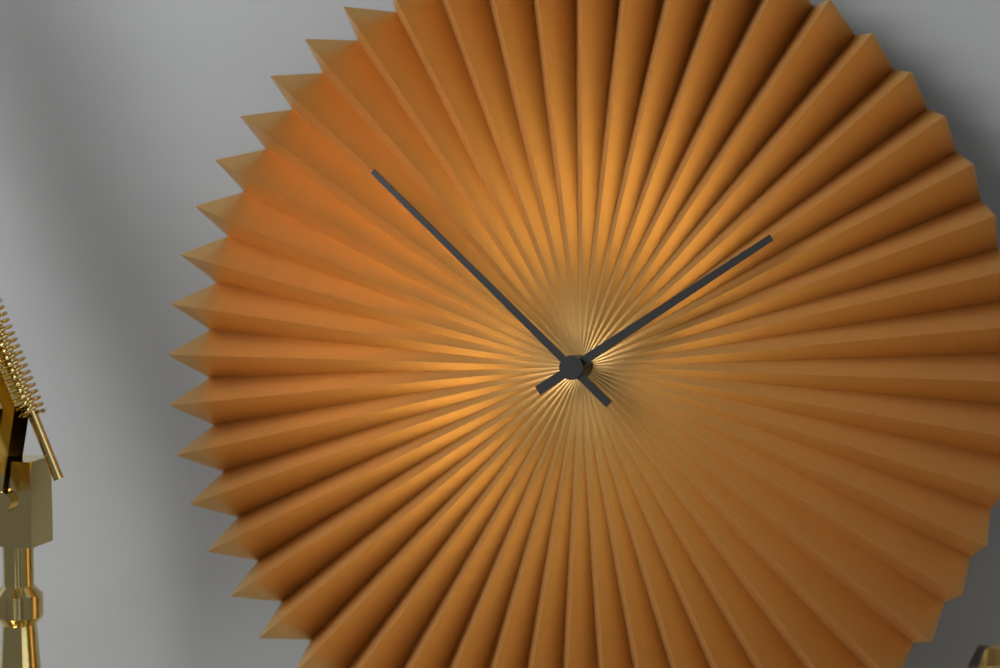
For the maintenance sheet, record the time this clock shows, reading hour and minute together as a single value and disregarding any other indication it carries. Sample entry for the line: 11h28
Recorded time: 1h52
